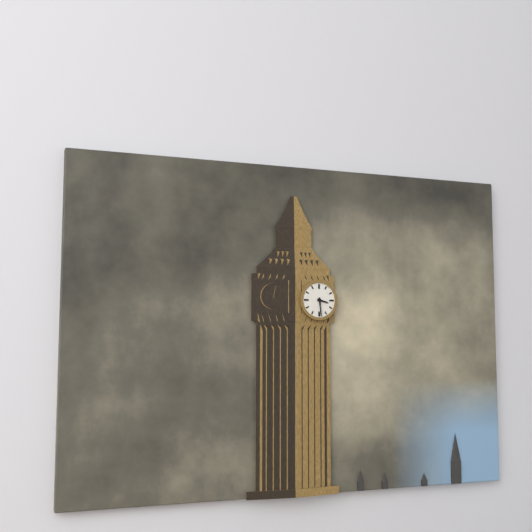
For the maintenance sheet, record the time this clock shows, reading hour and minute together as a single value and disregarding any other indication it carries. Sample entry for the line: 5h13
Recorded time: 3h29
